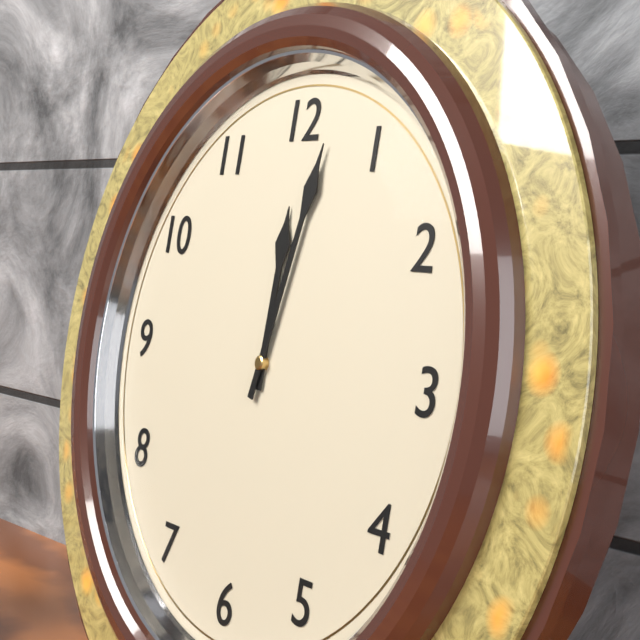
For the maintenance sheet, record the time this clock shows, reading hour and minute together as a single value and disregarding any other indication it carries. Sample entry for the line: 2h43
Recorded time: 12h02
